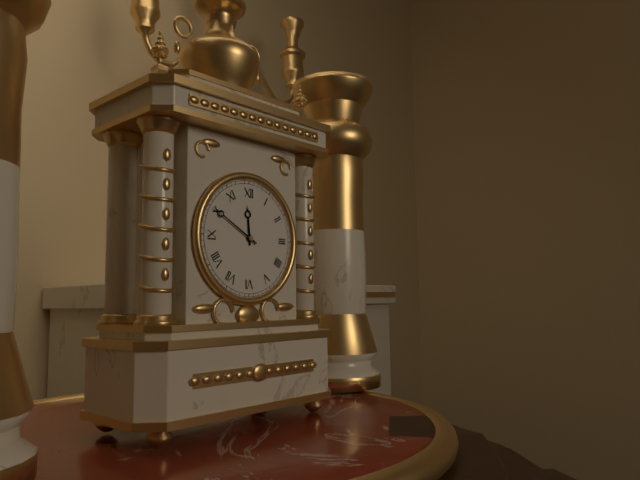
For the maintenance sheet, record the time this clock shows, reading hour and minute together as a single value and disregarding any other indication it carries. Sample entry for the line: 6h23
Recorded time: 11h50
